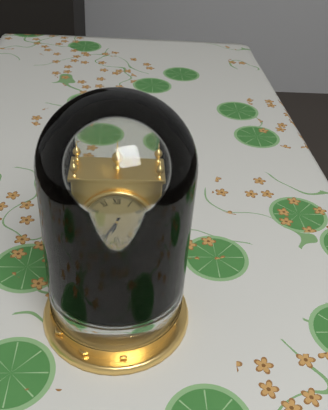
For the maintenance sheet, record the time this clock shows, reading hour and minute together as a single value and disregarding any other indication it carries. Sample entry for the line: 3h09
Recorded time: 6h35
